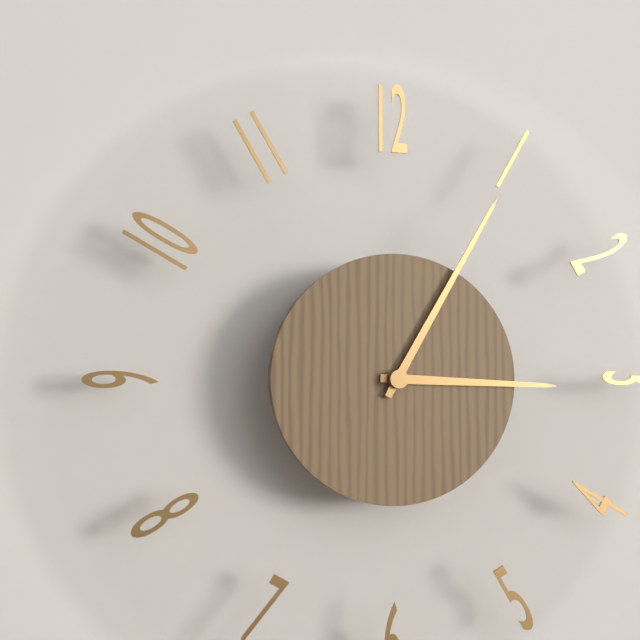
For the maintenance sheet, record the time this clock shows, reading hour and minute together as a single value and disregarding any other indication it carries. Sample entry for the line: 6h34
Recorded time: 3h05
